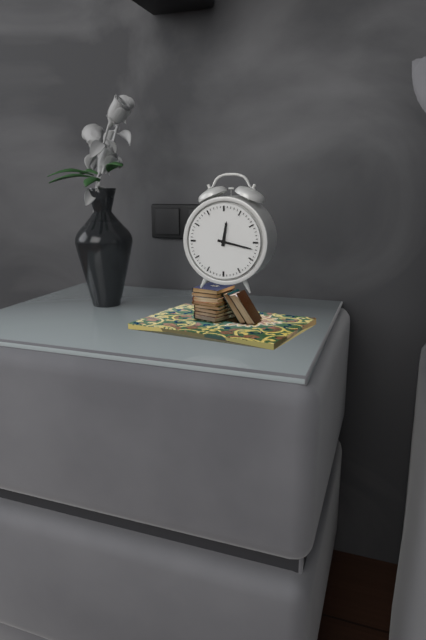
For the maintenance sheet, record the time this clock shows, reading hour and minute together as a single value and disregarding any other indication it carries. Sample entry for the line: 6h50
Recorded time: 12h17
